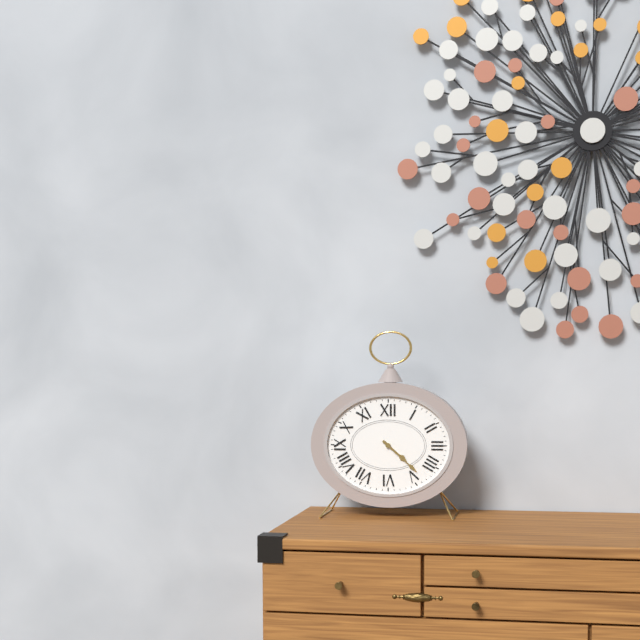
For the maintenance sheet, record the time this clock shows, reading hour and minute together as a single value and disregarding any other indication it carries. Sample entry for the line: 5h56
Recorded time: 4h22
